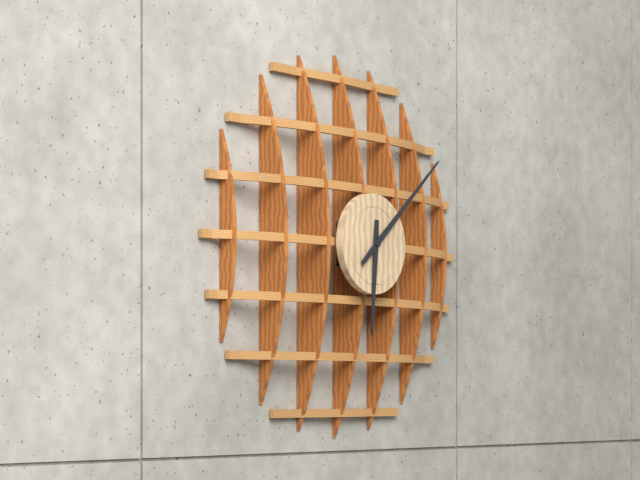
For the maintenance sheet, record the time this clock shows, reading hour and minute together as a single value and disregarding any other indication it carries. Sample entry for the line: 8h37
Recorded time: 6h08
